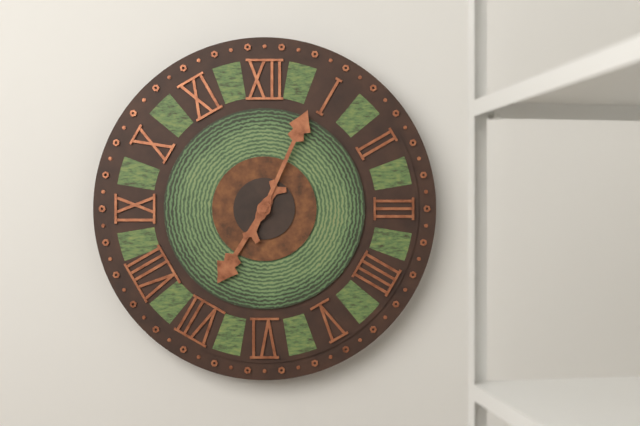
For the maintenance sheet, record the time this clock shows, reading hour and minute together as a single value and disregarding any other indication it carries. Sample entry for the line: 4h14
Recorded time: 7h04
